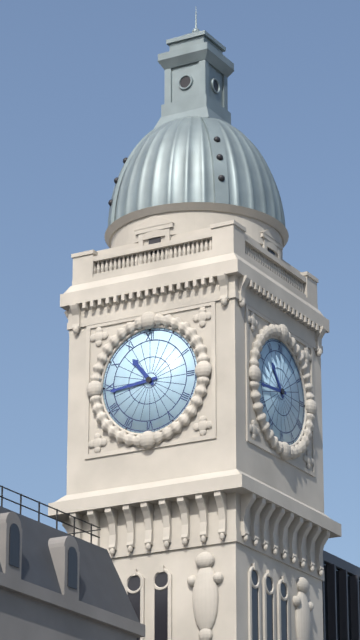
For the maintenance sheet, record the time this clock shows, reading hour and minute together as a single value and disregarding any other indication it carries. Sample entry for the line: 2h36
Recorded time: 10h44
